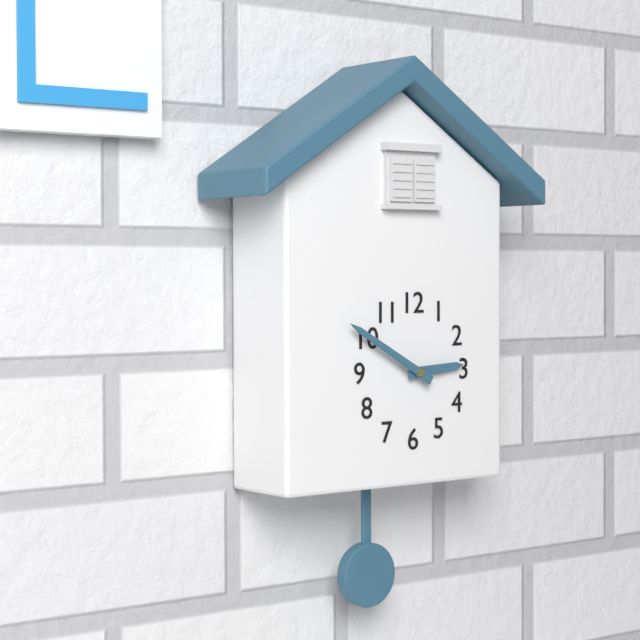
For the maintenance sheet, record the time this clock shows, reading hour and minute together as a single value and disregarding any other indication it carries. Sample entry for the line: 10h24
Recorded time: 2h50
